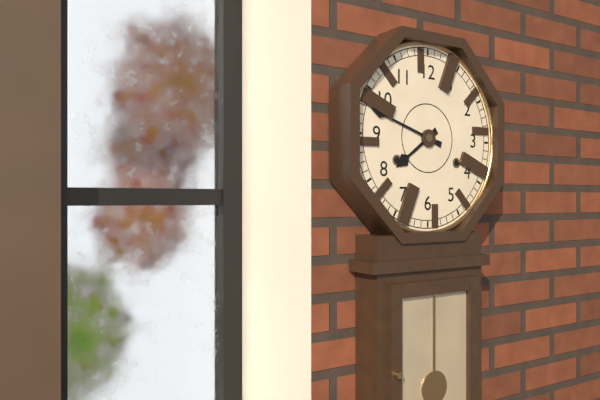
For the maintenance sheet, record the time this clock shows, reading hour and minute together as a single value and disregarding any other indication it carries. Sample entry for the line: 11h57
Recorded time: 7h48
